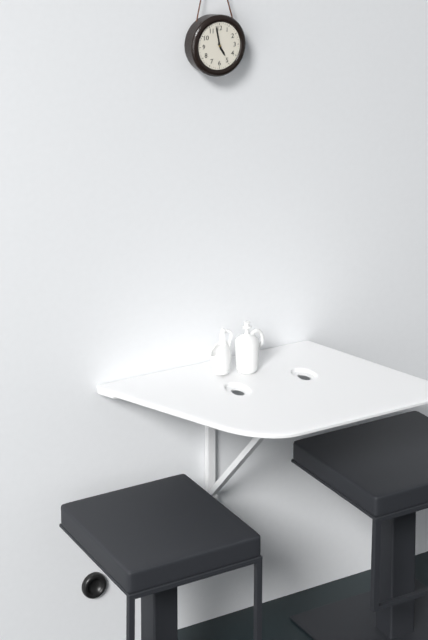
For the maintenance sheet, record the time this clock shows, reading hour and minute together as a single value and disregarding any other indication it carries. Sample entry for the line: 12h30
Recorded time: 4h58
